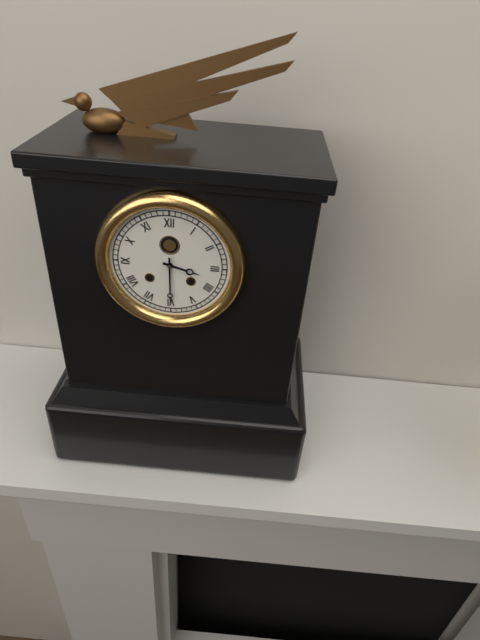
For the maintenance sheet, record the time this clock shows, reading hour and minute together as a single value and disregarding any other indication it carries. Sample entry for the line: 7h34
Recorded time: 3h30
